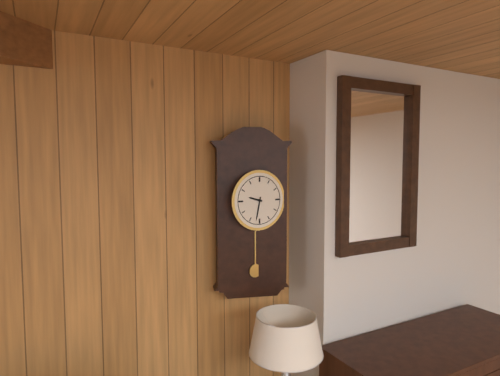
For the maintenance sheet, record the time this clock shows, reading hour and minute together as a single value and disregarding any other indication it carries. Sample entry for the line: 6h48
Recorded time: 9h32
